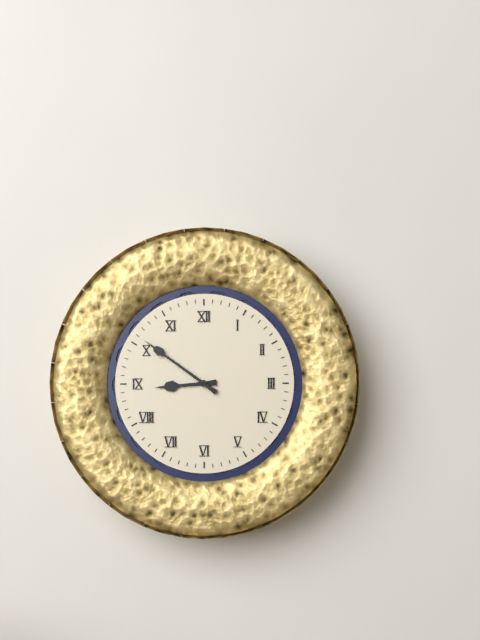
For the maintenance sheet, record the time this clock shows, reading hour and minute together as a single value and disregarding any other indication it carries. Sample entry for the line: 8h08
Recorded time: 8h51
